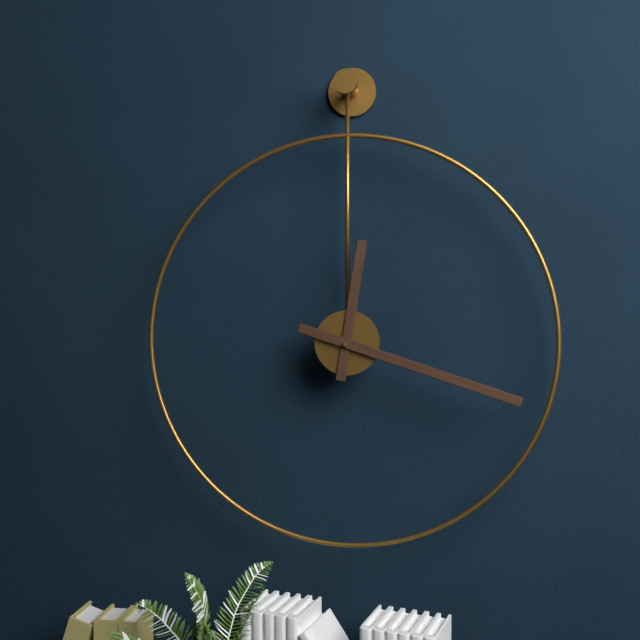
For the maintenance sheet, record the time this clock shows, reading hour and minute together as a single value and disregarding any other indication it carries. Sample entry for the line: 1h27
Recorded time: 12h18
